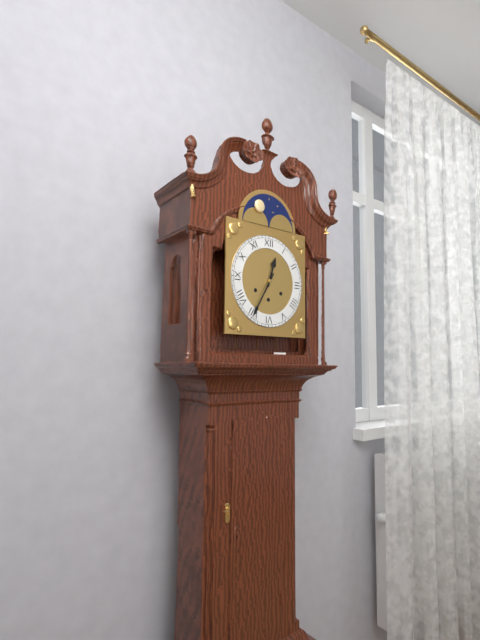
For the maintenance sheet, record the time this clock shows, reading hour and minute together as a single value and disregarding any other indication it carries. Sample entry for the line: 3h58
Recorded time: 12h35
